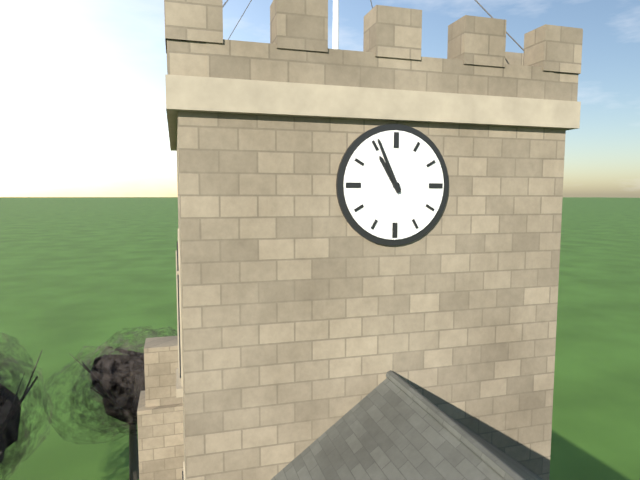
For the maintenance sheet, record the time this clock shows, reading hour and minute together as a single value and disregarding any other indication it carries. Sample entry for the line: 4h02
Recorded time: 10h56
